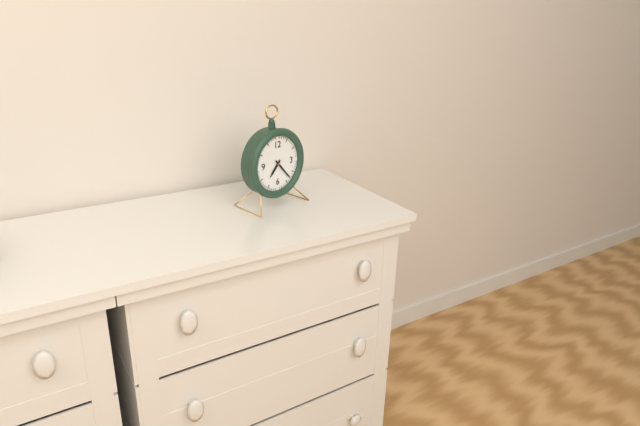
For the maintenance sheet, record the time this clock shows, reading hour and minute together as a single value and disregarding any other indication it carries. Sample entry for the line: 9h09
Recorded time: 7h23
